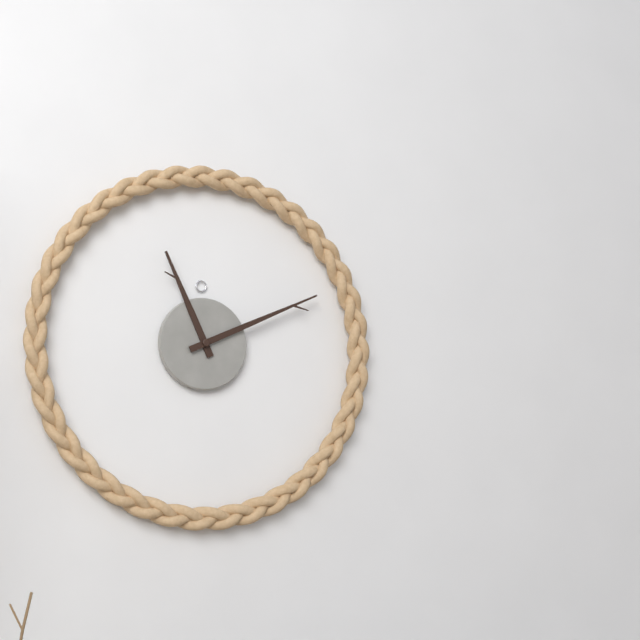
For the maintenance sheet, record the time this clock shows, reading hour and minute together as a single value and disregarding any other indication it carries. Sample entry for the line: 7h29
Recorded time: 11h11
